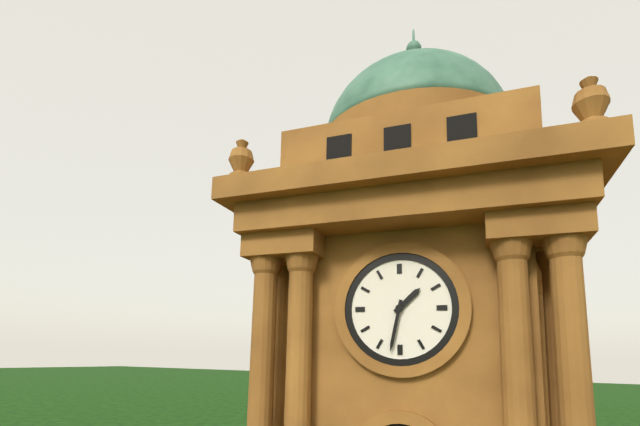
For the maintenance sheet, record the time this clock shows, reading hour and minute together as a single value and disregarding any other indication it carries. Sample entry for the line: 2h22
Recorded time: 1h32
